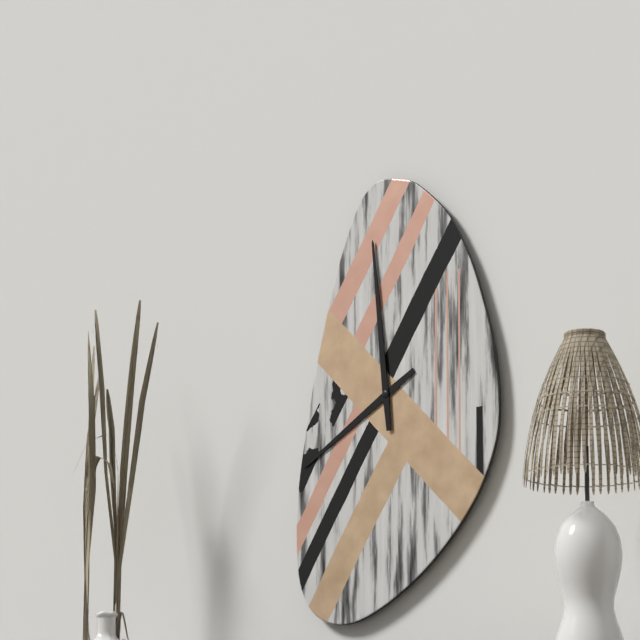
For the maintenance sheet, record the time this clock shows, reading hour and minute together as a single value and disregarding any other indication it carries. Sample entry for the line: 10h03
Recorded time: 7h59
